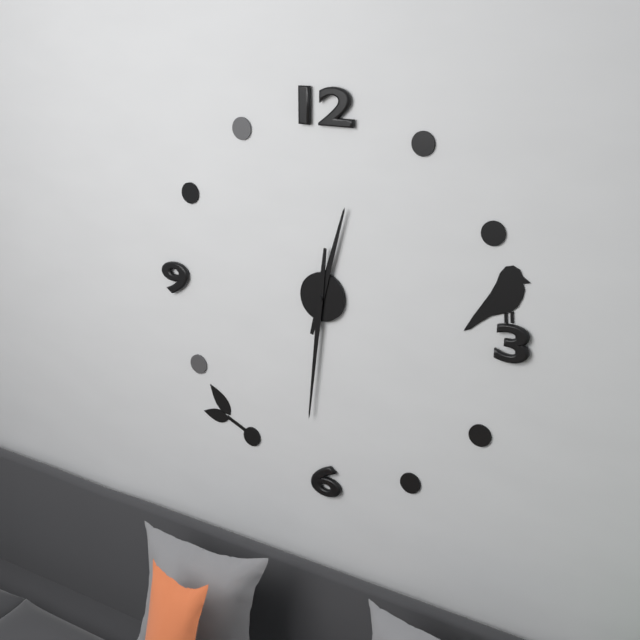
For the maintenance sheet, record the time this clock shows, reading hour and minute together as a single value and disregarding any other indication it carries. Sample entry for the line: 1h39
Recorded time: 12h31
